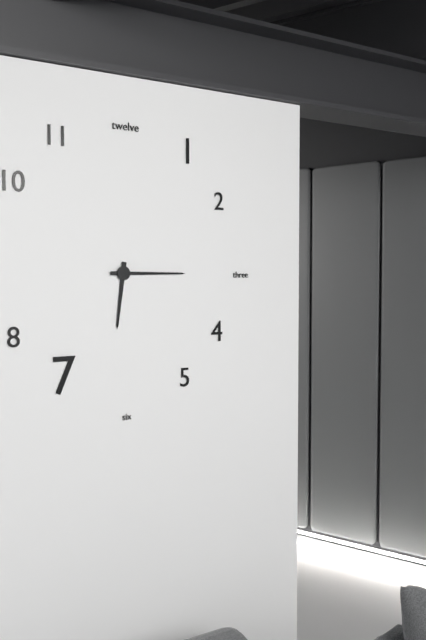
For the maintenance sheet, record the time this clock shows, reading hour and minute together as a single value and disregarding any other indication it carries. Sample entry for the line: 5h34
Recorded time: 6h15
